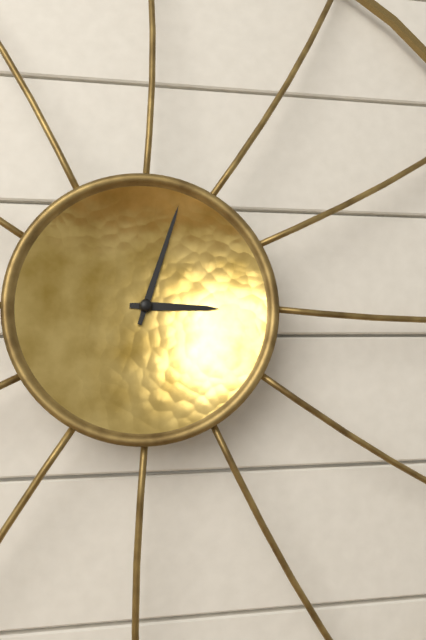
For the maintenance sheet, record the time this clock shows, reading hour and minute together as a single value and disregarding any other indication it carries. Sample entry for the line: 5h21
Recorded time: 3h03
